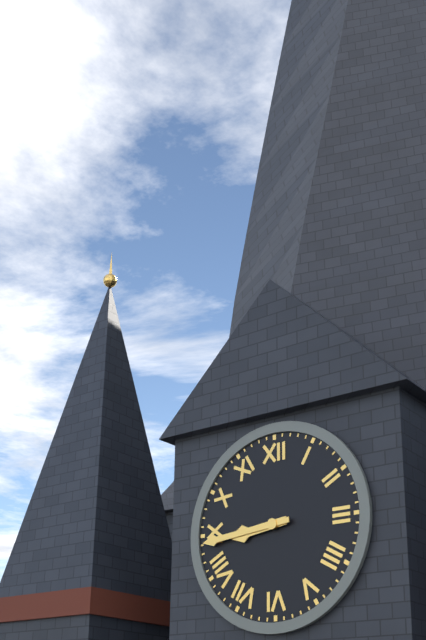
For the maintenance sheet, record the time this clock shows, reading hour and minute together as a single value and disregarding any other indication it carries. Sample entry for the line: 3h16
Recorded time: 8h44
